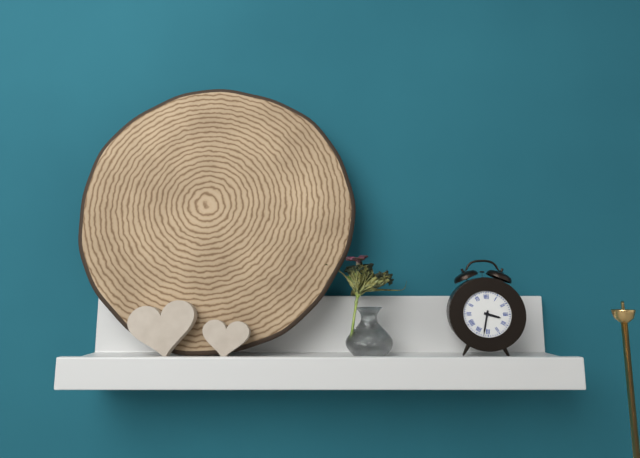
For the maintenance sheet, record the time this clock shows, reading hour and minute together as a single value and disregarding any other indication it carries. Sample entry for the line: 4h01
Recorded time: 3h32
